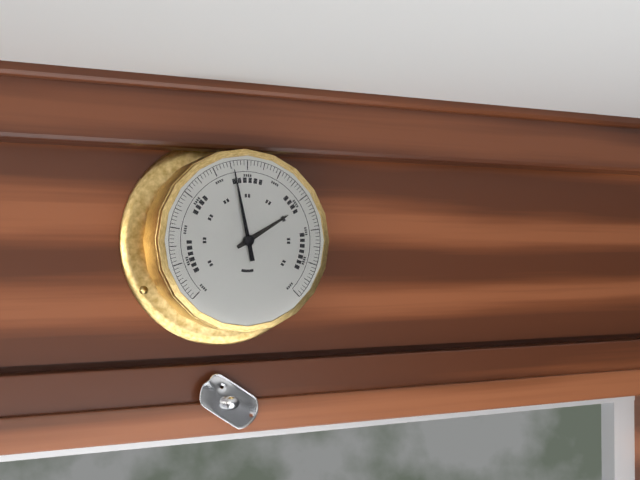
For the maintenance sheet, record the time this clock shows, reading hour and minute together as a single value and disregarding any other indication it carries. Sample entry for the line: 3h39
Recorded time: 1h58
